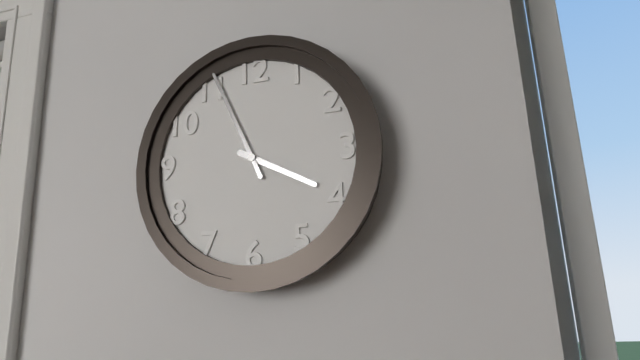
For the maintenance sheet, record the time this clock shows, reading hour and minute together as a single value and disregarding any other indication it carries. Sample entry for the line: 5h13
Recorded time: 3h56
